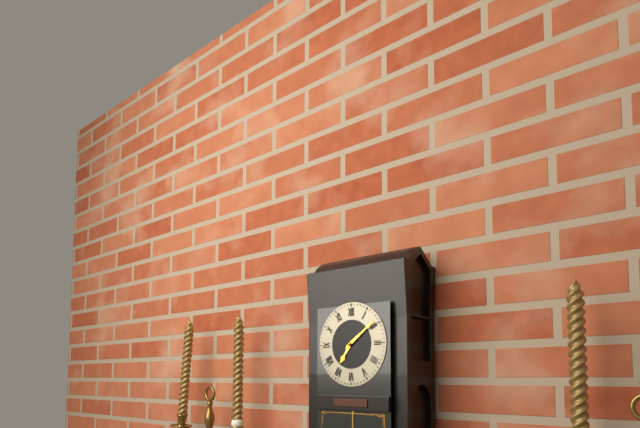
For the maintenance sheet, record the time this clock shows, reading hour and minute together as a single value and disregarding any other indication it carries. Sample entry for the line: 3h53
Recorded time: 7h09
